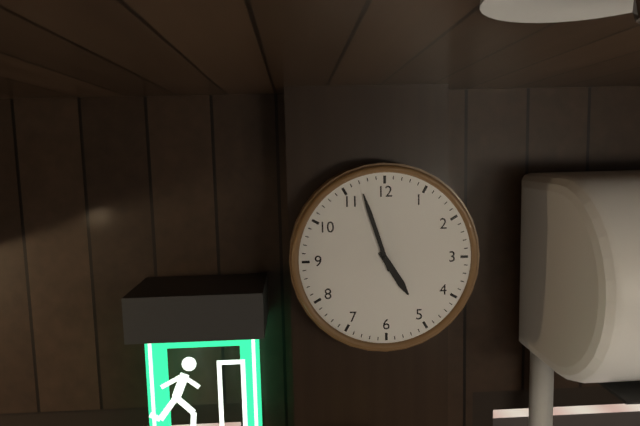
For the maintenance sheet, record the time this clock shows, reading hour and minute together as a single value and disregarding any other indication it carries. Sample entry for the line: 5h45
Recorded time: 4h57
